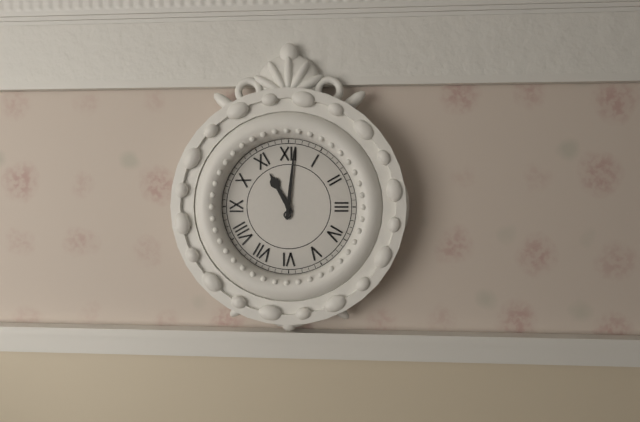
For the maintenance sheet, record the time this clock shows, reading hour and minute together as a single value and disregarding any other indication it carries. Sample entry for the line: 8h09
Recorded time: 11h01
